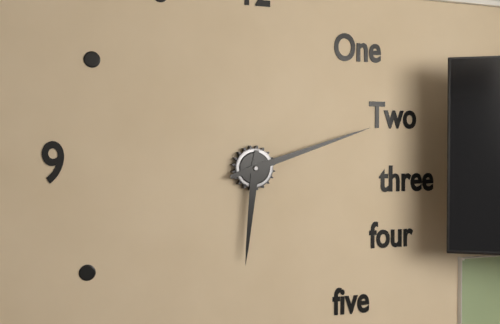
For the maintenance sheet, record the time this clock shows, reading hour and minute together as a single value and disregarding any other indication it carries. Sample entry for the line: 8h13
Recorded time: 6h12
